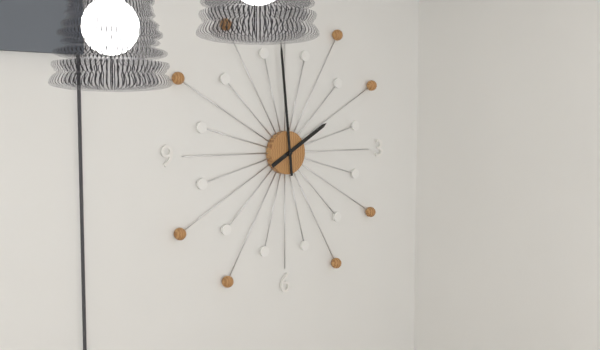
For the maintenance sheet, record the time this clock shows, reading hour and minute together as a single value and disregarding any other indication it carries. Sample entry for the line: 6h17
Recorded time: 1h59
